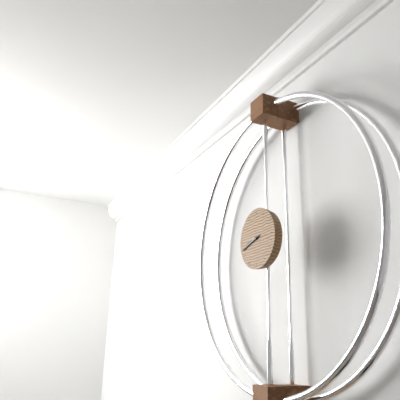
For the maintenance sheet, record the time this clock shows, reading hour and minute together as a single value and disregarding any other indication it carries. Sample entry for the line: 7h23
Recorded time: 8h42
